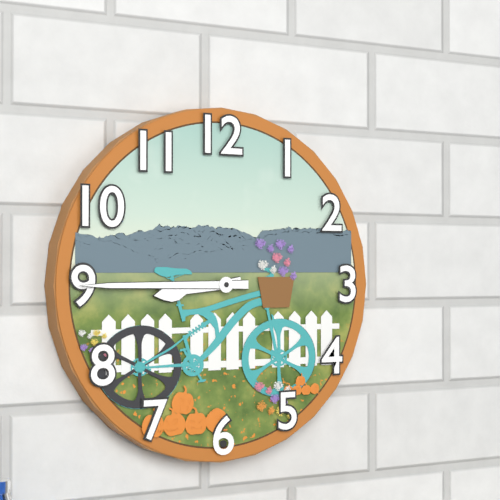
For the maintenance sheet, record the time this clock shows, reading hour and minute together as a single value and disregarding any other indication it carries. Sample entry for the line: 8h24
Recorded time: 8h45
